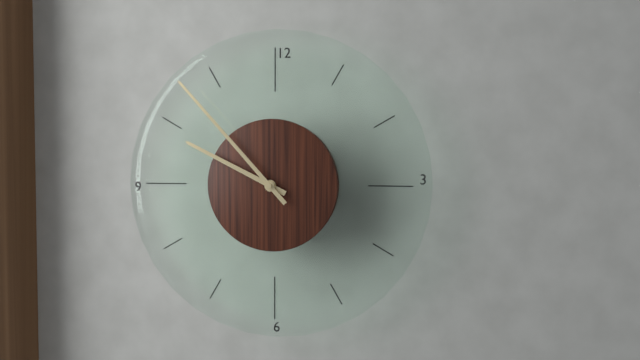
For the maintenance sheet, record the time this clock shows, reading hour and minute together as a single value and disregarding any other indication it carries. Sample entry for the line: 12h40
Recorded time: 9h53
